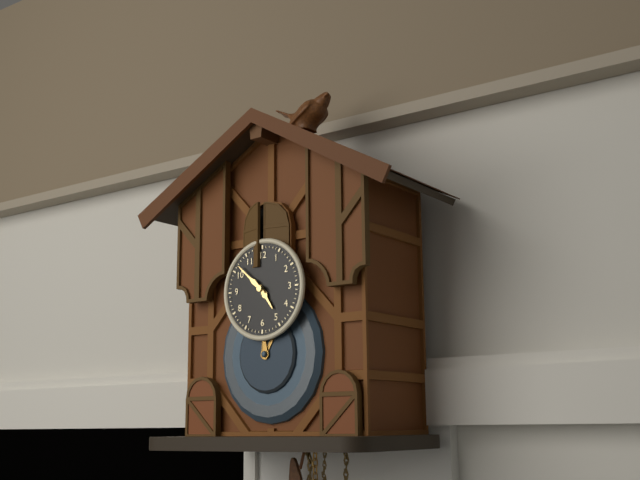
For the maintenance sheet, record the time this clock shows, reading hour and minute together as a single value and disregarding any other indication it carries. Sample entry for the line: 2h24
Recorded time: 4h52
